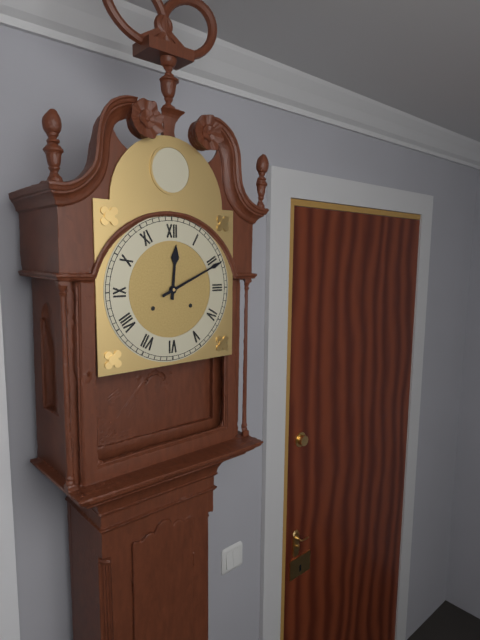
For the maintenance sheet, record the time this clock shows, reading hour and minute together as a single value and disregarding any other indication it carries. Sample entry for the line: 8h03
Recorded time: 12h11
